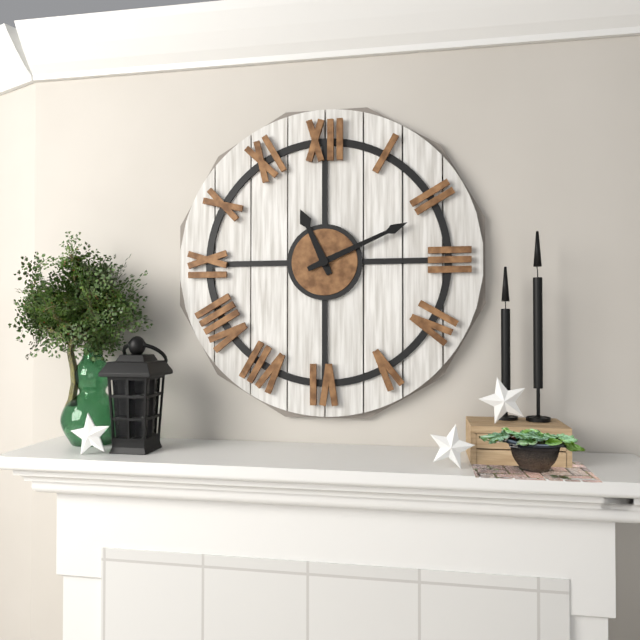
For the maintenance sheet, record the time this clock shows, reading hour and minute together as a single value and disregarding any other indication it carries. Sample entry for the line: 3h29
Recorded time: 11h11
